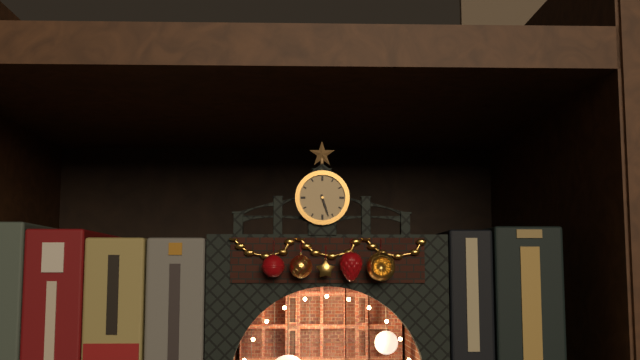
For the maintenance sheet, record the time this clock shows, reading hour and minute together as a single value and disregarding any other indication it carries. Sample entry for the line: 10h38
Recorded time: 5h27
